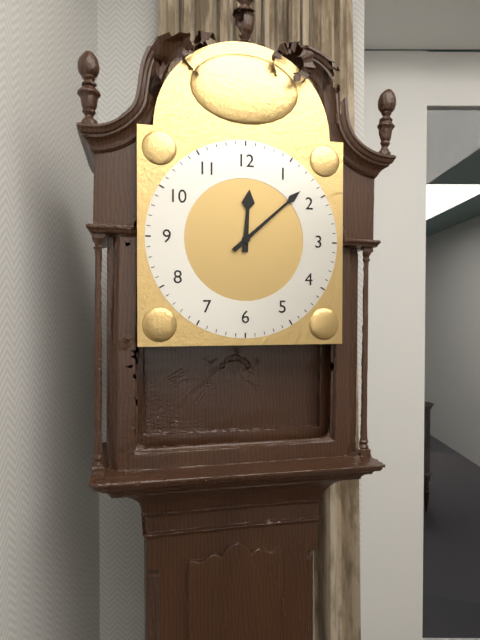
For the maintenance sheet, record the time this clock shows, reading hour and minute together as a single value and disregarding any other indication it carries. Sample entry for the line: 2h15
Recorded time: 12h08
